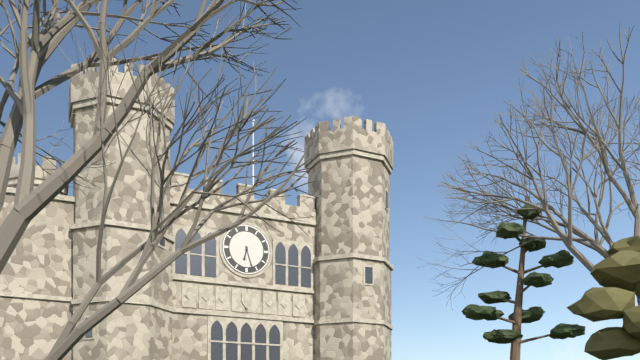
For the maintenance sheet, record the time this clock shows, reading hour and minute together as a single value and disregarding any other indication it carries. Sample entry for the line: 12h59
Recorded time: 6h27
